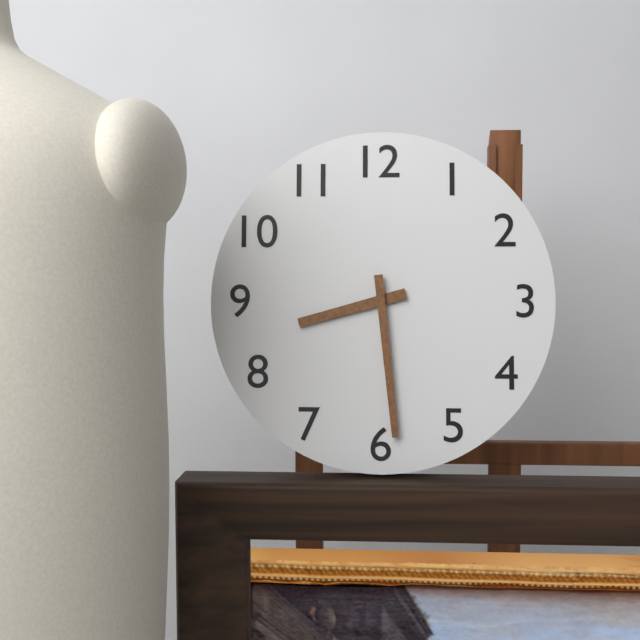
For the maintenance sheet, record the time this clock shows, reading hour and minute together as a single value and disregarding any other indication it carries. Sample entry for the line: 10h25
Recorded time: 8h29
